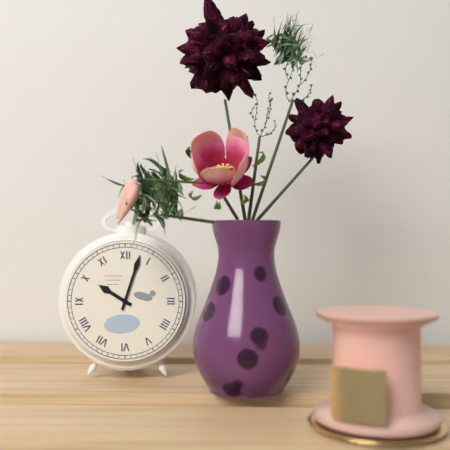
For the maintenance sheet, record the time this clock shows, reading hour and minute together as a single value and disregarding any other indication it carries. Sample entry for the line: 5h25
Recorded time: 10h03
